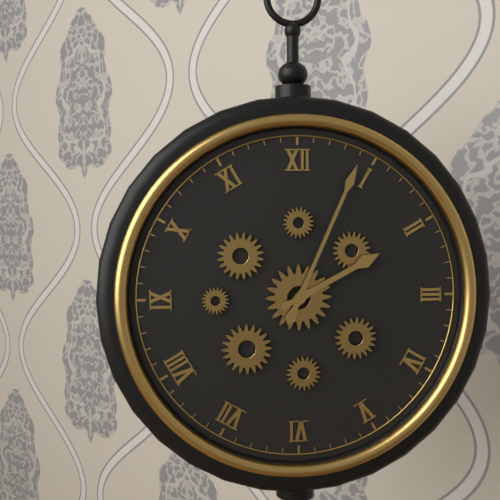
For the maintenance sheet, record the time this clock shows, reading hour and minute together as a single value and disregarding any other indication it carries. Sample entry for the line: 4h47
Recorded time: 2h04
